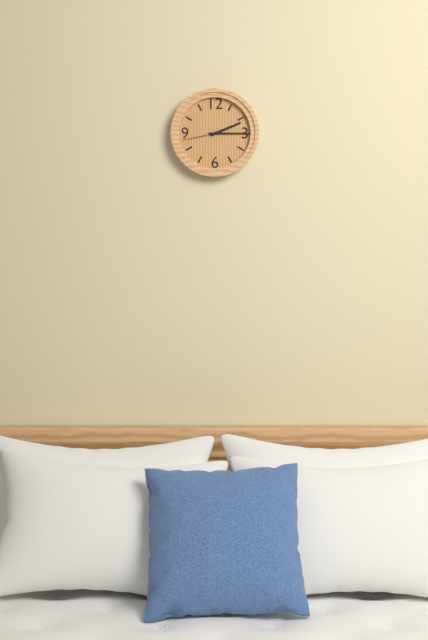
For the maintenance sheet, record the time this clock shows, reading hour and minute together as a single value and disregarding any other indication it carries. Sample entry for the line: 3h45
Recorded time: 2h15
